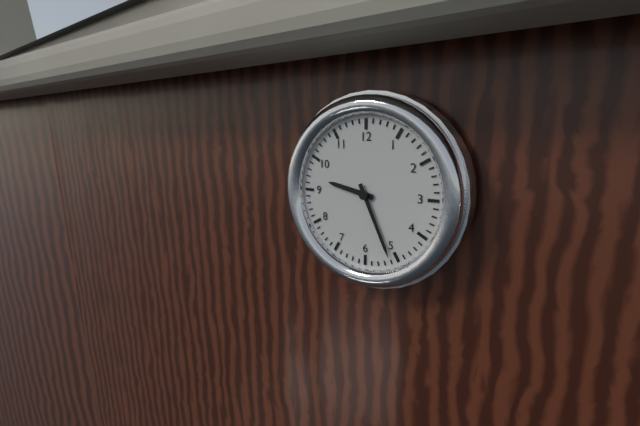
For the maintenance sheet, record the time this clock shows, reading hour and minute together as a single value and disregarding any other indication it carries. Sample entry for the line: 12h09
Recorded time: 9h26
